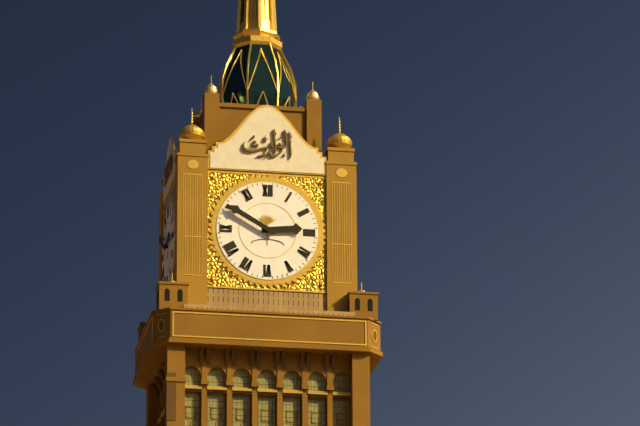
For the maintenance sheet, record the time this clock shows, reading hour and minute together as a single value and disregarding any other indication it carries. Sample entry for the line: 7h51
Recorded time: 2h50
